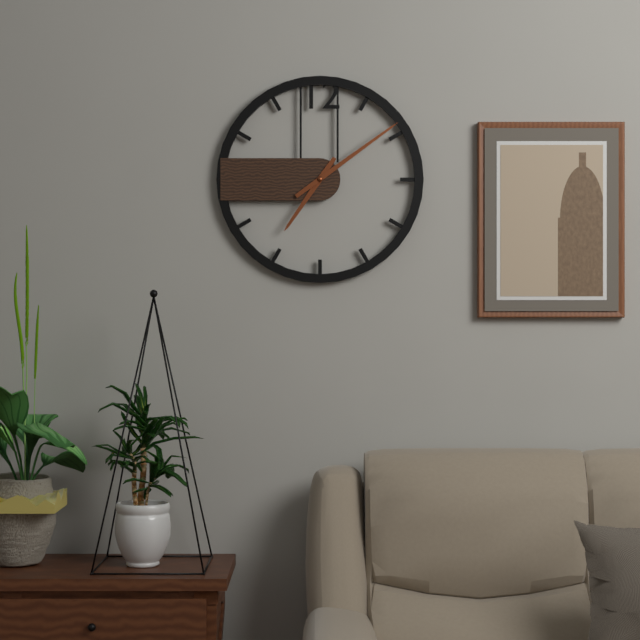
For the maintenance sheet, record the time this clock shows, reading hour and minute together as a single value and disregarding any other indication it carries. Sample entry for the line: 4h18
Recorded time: 7h09
